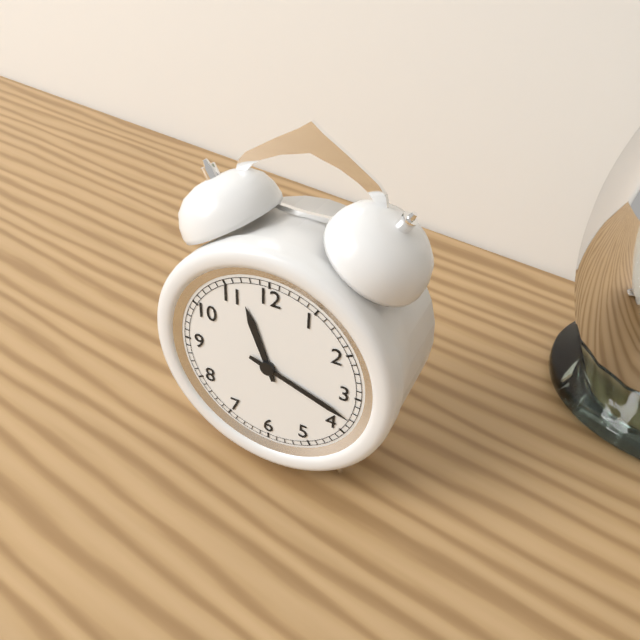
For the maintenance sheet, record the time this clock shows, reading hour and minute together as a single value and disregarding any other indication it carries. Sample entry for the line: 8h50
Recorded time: 11h18
